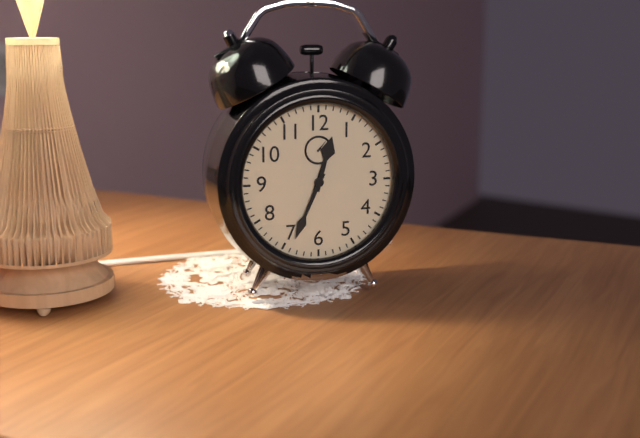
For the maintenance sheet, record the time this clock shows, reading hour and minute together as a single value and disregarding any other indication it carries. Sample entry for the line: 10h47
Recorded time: 12h34
